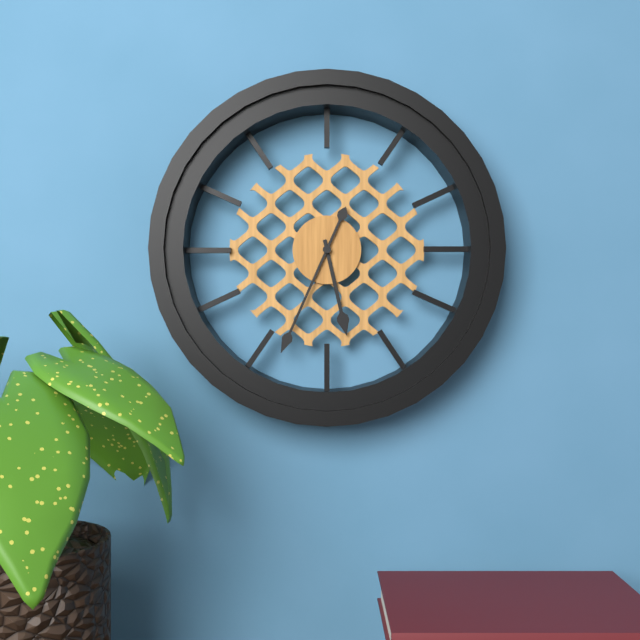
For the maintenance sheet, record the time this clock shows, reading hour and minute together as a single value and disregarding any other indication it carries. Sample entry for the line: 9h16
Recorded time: 5h34
